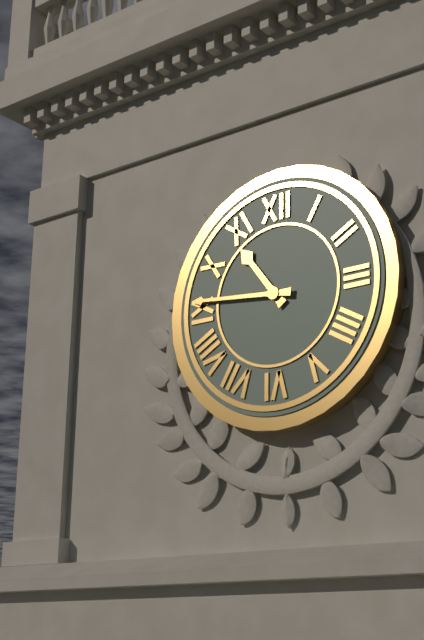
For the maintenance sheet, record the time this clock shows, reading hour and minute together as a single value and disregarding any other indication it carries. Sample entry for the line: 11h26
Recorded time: 10h46
